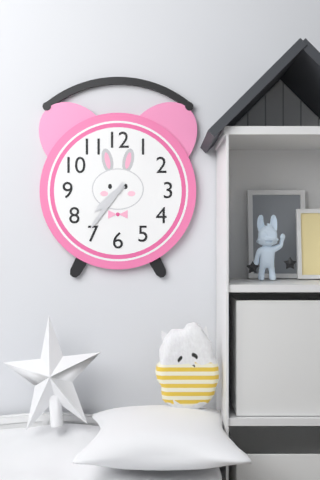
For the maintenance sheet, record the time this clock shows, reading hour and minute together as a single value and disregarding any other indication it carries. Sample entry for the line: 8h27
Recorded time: 7h36
